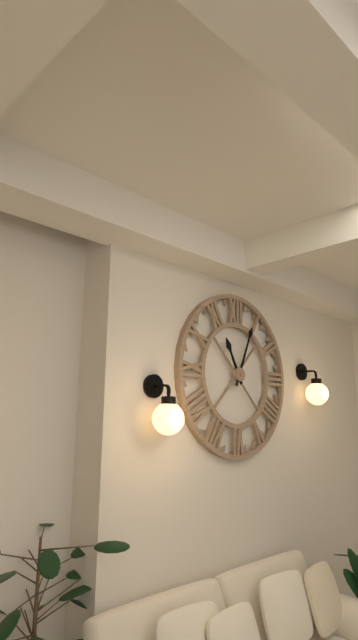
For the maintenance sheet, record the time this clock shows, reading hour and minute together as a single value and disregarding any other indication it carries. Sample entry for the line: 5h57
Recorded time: 11h04
